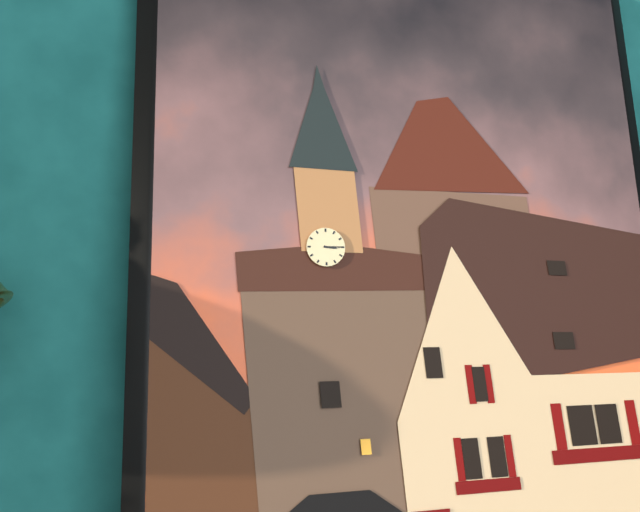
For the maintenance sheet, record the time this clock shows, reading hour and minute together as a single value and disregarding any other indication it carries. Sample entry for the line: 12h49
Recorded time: 3h15
